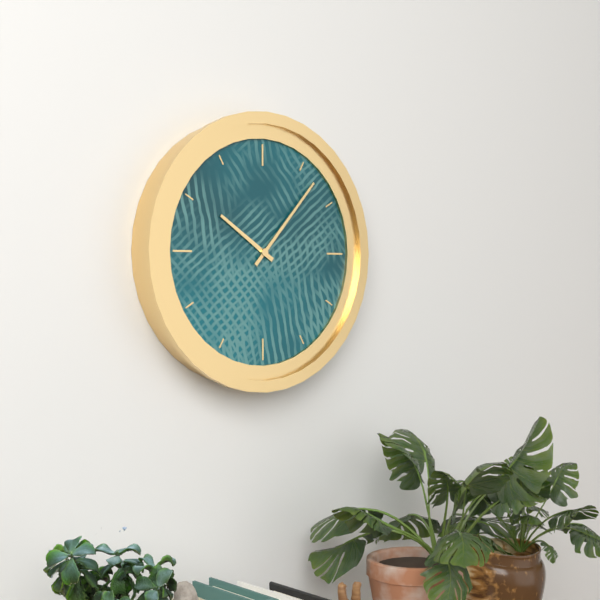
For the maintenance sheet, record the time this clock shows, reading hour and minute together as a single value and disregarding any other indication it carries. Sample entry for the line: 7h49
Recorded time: 10h07
